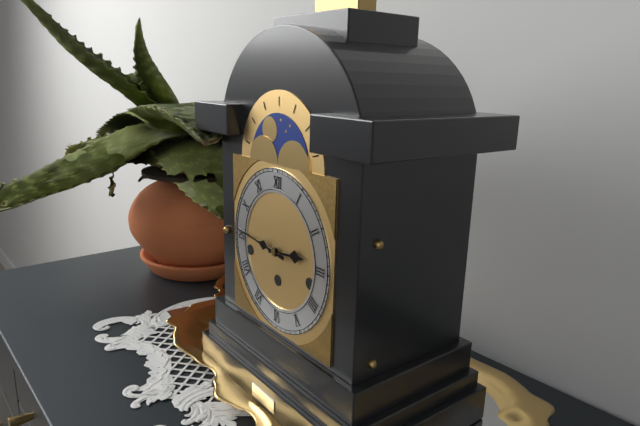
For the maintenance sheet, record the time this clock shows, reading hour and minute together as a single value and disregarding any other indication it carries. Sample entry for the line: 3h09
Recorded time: 2h46
